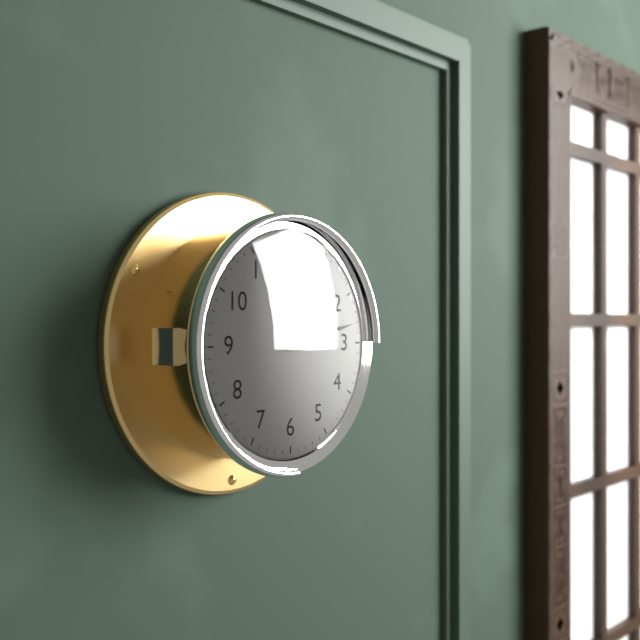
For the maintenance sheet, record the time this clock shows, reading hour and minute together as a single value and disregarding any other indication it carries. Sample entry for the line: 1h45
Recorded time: 2h13
